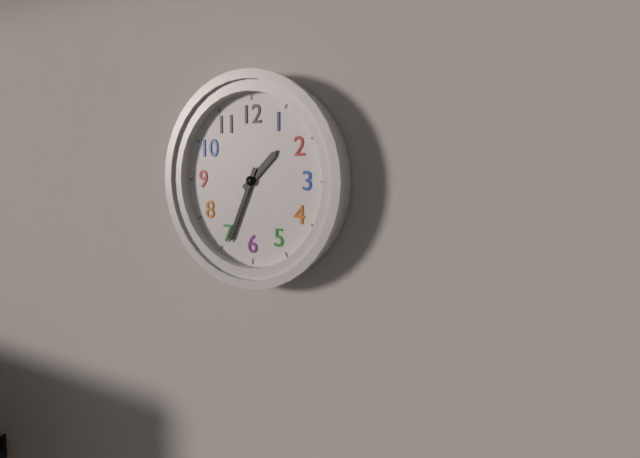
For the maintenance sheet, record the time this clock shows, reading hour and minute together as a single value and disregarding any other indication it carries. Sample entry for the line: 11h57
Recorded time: 1h34
